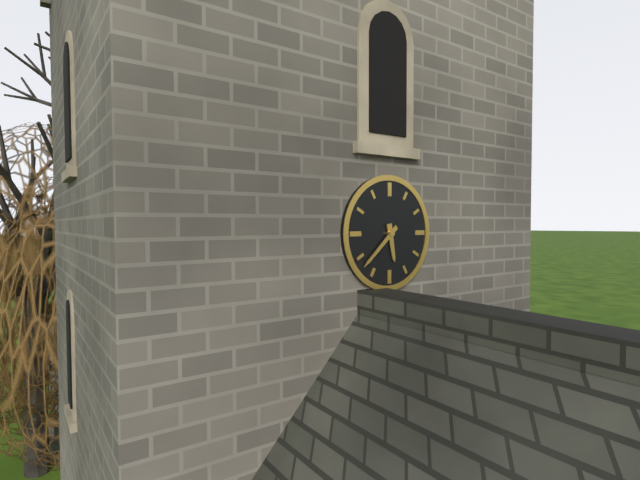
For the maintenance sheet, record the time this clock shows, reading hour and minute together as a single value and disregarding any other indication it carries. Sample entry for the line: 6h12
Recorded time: 5h38
